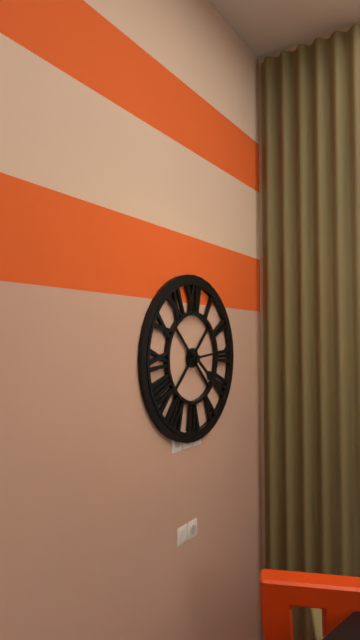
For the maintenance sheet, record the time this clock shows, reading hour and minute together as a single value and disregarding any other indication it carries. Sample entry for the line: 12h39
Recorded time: 4h14
